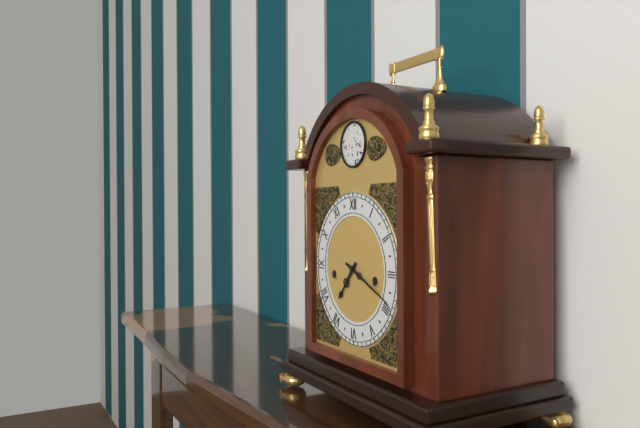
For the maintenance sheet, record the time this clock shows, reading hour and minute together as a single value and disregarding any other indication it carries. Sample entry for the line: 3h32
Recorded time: 7h19
